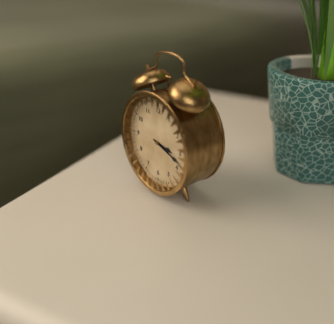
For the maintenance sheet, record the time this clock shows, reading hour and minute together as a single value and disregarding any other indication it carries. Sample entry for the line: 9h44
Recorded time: 3h18
